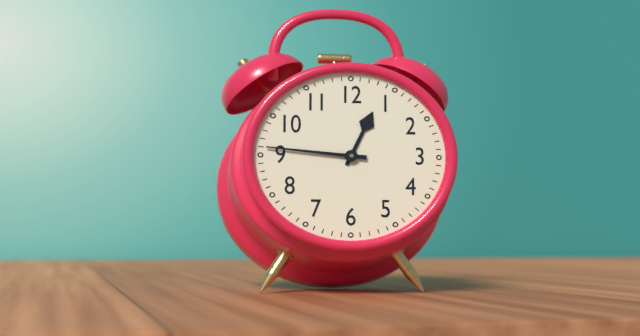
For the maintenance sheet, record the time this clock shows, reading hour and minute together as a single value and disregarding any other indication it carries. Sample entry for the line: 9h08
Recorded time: 12h46
